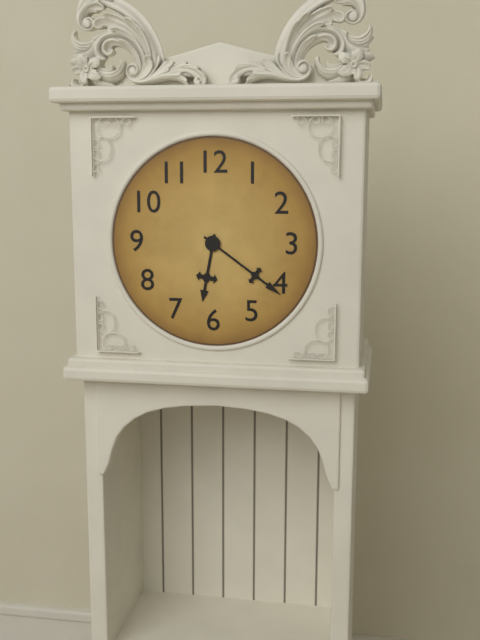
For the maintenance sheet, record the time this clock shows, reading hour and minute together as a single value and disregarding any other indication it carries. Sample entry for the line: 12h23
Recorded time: 6h21
